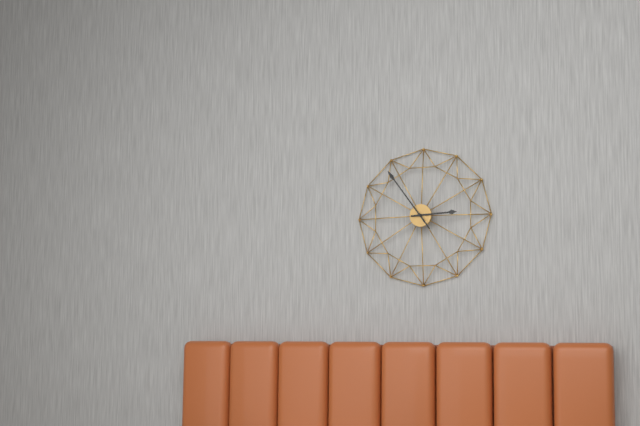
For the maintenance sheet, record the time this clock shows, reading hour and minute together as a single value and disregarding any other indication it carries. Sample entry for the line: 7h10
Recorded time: 2h54
